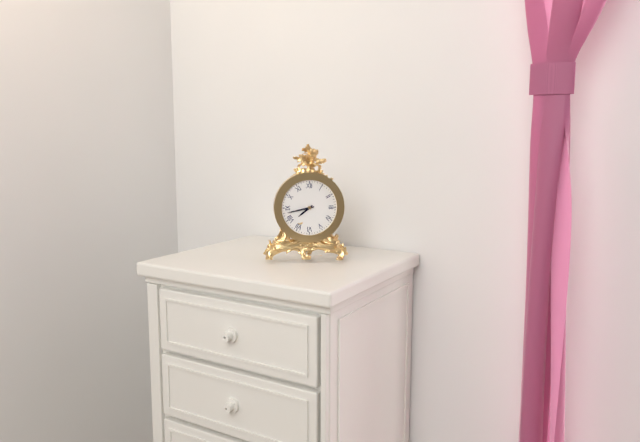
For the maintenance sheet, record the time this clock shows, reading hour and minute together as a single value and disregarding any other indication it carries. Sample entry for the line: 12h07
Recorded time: 7h43
